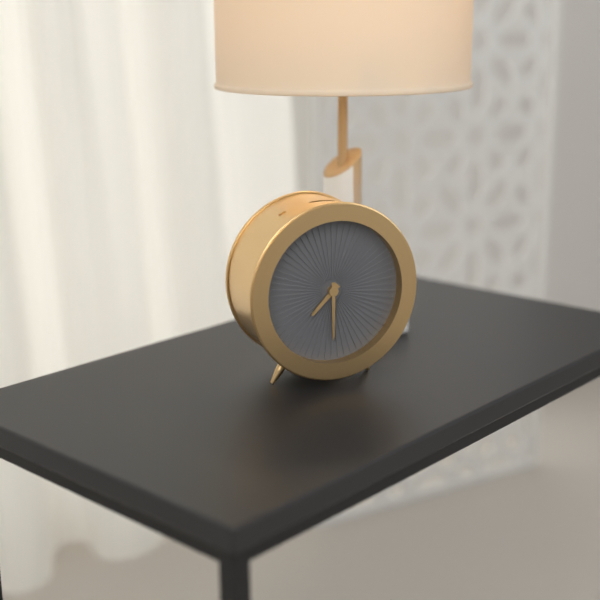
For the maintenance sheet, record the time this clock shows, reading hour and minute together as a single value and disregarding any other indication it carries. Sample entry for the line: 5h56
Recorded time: 7h30
